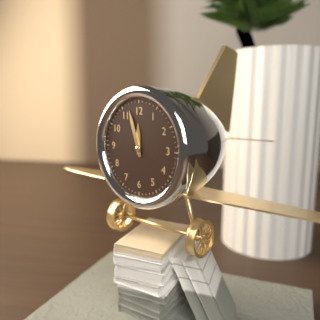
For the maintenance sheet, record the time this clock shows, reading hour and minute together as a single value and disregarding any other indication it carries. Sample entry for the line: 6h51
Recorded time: 11h57
